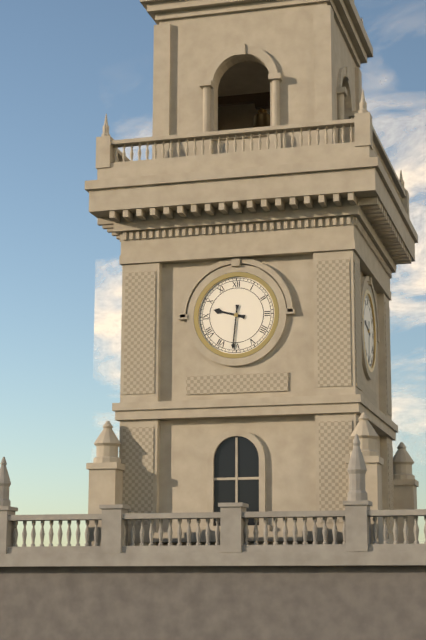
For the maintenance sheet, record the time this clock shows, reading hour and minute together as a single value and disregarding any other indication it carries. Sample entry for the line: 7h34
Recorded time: 9h31
